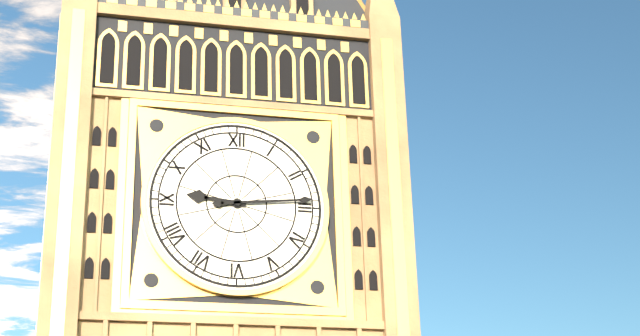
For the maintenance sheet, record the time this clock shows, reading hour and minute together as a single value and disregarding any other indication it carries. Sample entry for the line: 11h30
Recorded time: 9h14
